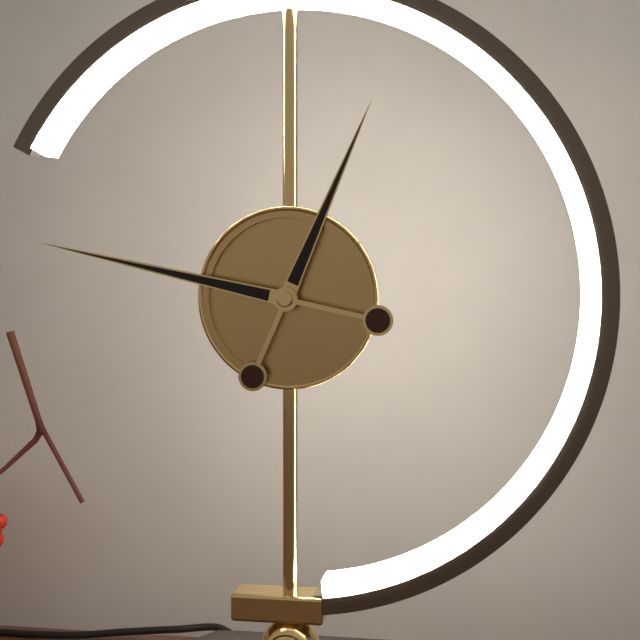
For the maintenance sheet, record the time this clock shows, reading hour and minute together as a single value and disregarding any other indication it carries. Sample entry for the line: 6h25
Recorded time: 12h47
